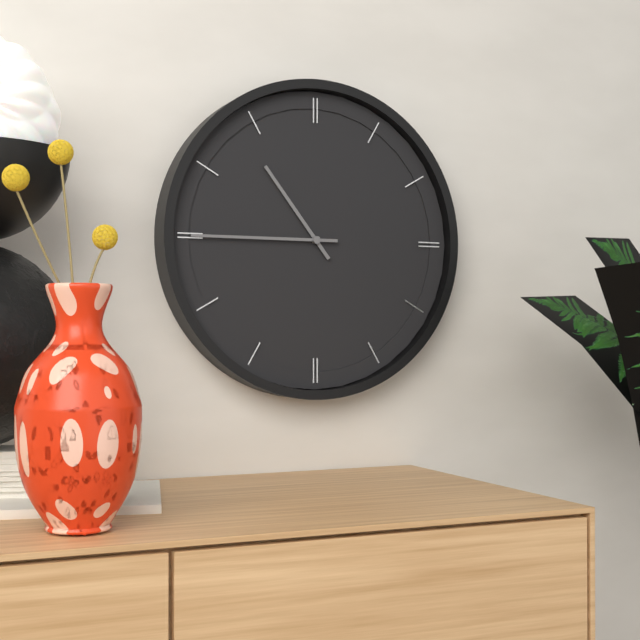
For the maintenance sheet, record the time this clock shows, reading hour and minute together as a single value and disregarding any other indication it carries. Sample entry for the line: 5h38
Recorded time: 10h45
